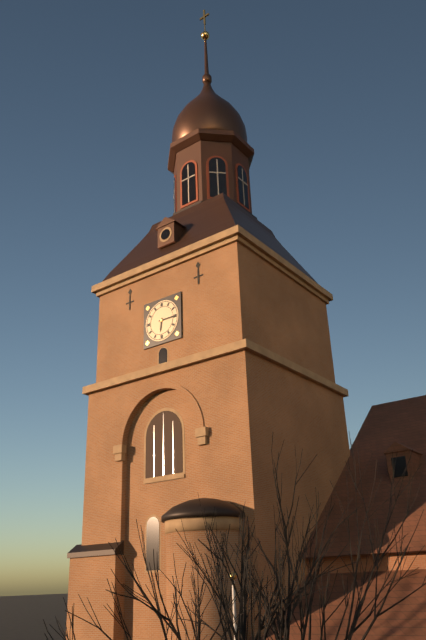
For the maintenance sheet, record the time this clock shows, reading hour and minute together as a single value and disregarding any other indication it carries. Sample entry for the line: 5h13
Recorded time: 6h15
